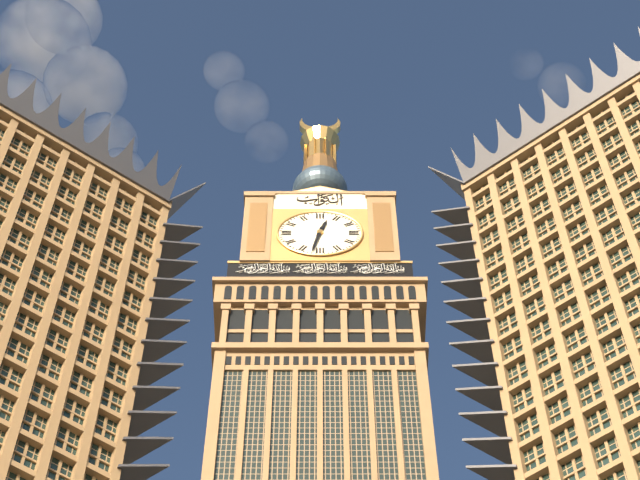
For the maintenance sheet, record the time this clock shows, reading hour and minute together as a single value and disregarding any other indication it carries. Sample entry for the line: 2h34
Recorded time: 12h32
